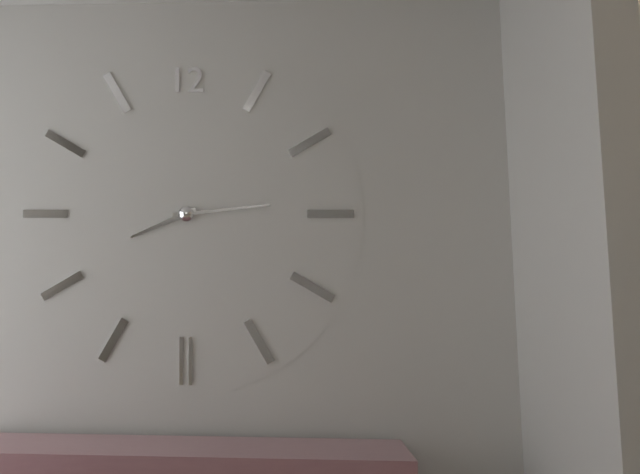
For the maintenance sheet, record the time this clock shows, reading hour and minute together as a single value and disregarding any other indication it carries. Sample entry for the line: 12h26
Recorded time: 8h14
